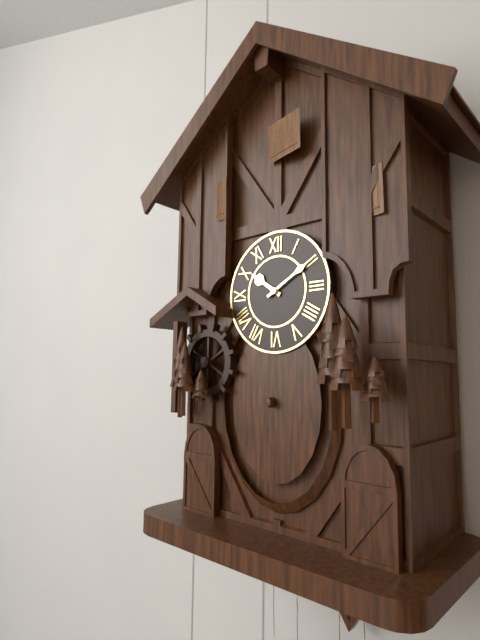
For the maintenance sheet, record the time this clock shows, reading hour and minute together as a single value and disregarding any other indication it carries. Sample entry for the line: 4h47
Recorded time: 10h10
